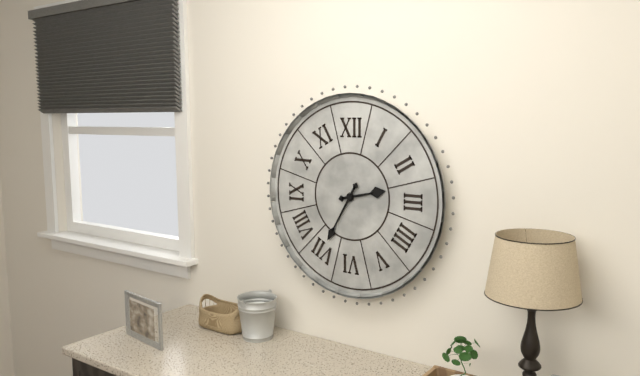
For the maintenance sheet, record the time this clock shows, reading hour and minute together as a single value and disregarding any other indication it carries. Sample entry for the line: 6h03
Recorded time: 2h35
